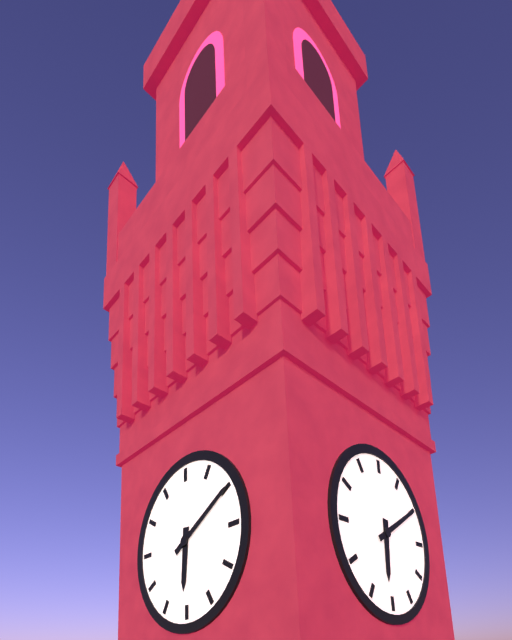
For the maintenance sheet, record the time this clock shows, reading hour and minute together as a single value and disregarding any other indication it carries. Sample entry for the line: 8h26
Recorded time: 6h10
